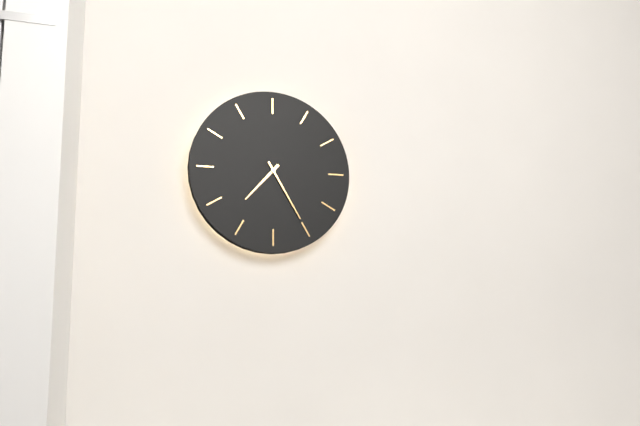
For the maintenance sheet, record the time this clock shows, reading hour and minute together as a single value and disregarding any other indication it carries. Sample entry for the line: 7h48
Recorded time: 7h25
